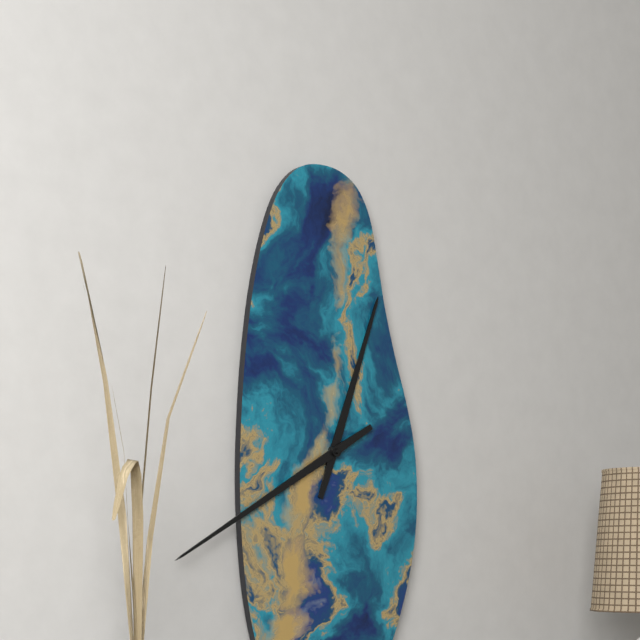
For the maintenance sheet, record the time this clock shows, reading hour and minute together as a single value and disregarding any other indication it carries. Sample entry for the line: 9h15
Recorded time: 12h40
